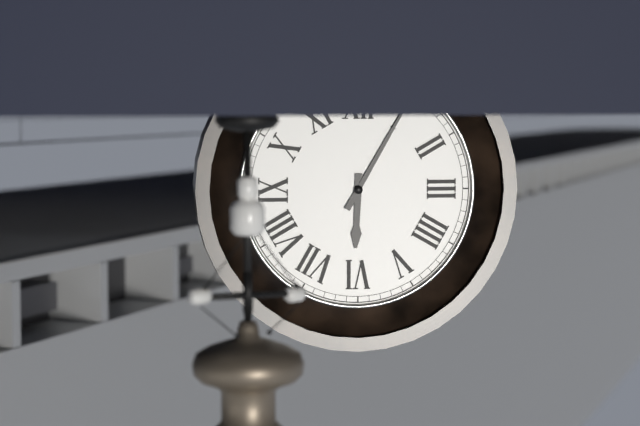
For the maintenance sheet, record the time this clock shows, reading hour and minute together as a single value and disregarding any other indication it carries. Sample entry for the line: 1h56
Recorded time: 6h05
